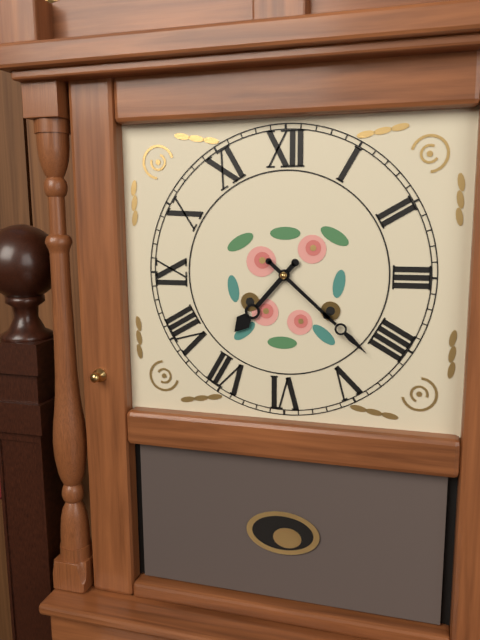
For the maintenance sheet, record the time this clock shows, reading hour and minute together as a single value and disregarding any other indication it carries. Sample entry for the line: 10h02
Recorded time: 7h22
